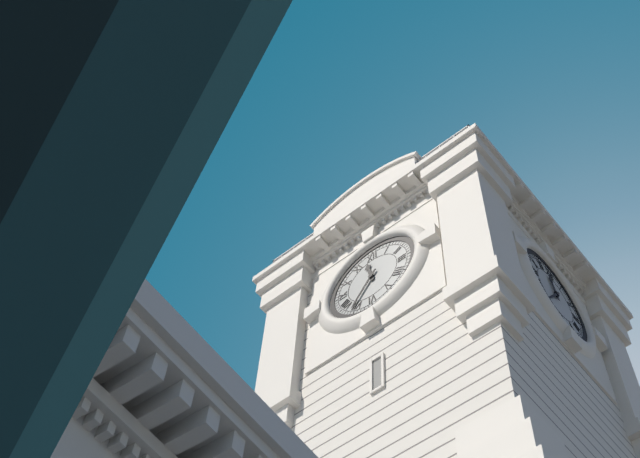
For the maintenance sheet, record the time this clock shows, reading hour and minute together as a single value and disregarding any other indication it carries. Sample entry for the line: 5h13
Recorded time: 11h36
